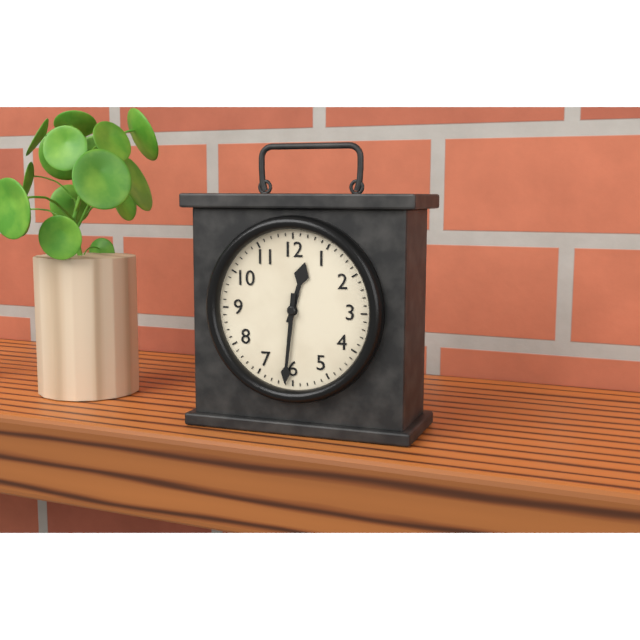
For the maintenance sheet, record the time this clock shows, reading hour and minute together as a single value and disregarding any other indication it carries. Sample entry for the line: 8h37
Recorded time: 12h31
